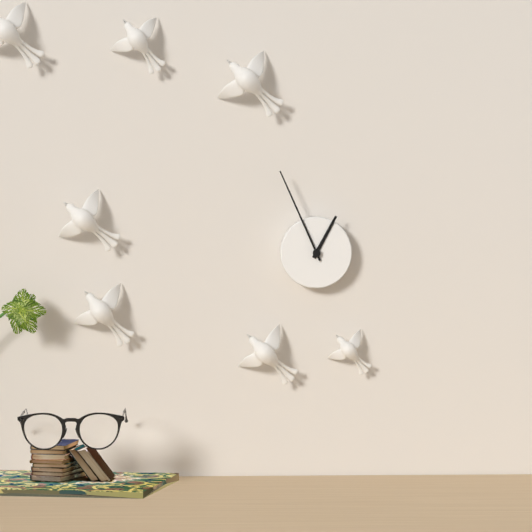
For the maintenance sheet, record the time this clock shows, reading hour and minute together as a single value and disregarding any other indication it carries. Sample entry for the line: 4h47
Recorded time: 12h56
